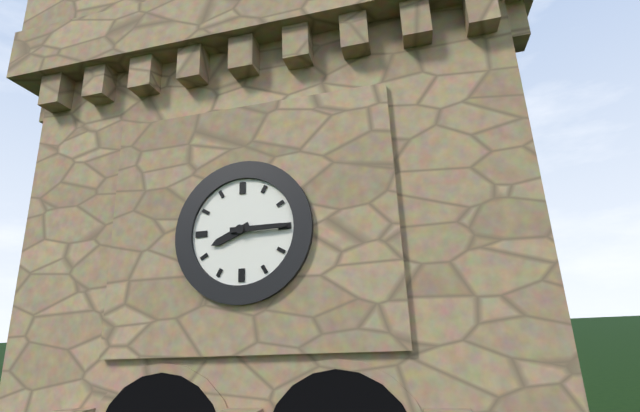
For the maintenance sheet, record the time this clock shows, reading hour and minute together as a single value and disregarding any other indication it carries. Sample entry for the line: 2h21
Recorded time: 8h15
